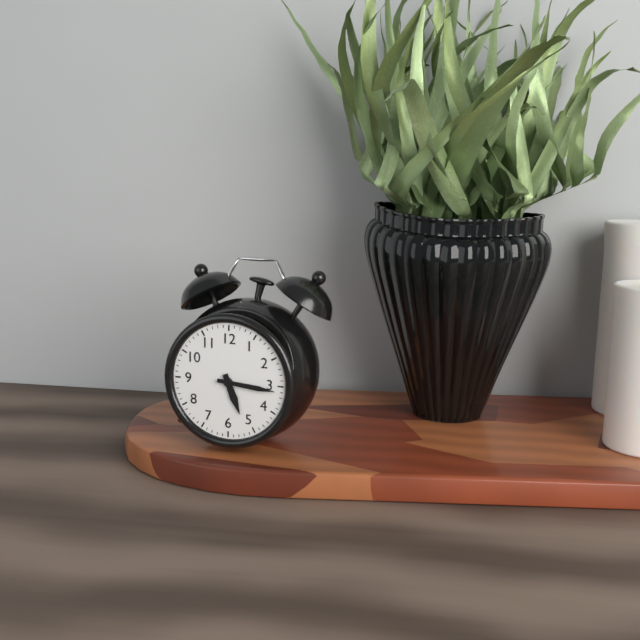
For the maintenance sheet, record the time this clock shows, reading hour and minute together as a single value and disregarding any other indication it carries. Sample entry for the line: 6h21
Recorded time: 5h16
